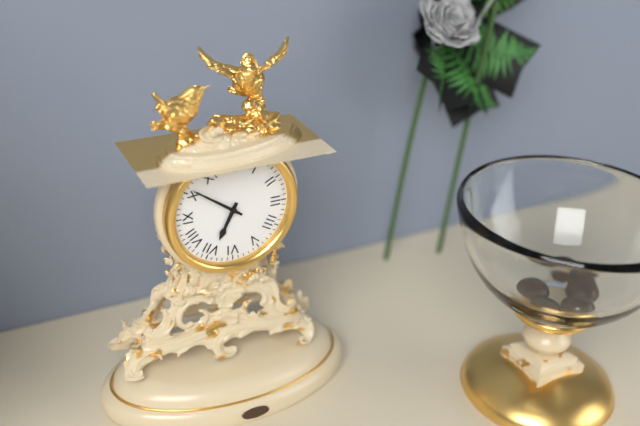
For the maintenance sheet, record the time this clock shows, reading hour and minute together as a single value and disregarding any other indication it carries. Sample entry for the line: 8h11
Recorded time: 6h51
